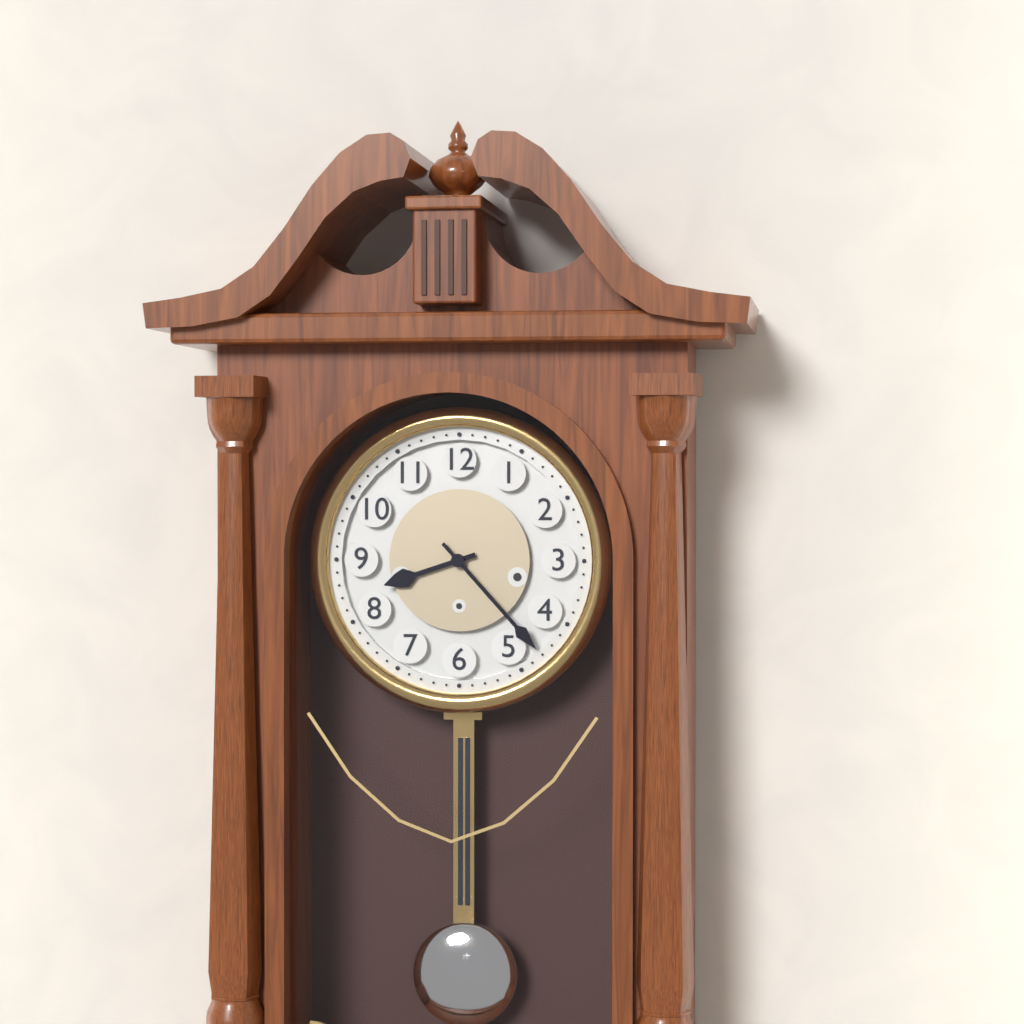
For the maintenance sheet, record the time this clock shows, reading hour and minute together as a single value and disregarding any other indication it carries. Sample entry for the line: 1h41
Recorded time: 8h23
